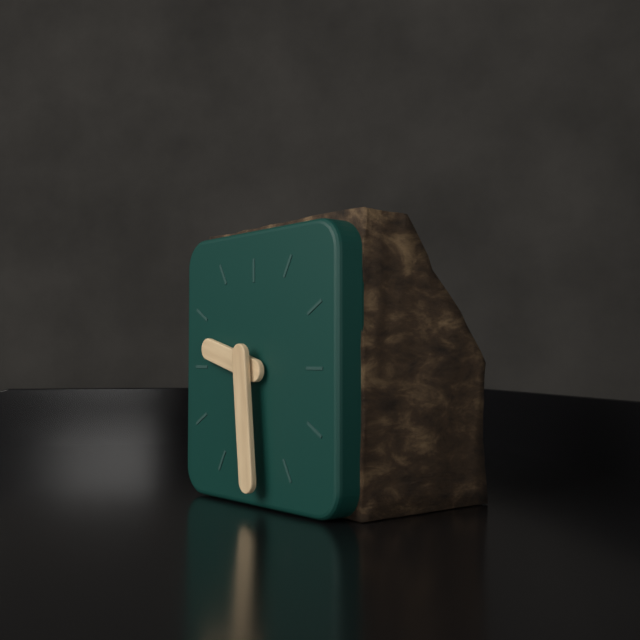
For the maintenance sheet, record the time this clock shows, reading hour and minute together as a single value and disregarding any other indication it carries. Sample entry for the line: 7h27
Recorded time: 9h29
